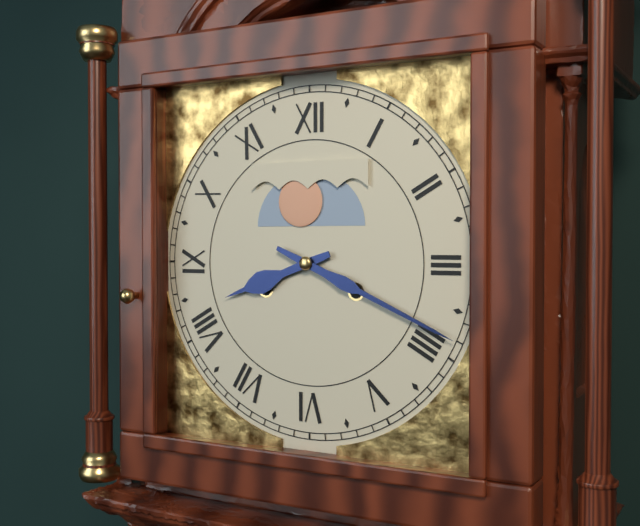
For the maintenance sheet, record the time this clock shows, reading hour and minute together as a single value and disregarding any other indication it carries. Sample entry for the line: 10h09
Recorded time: 8h19
